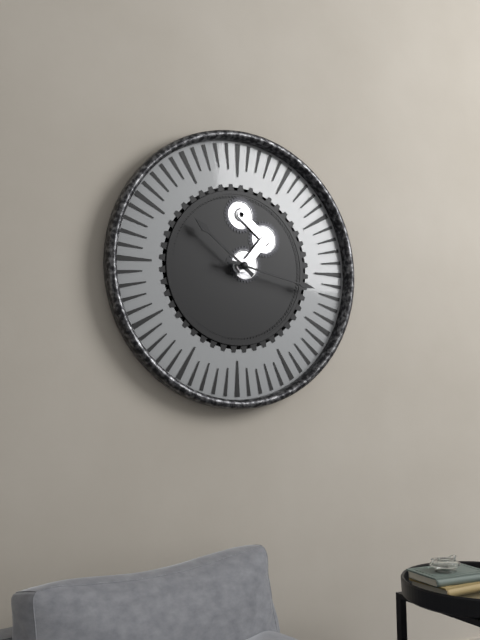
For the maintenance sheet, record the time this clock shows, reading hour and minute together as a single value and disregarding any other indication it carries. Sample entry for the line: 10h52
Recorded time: 10h17
